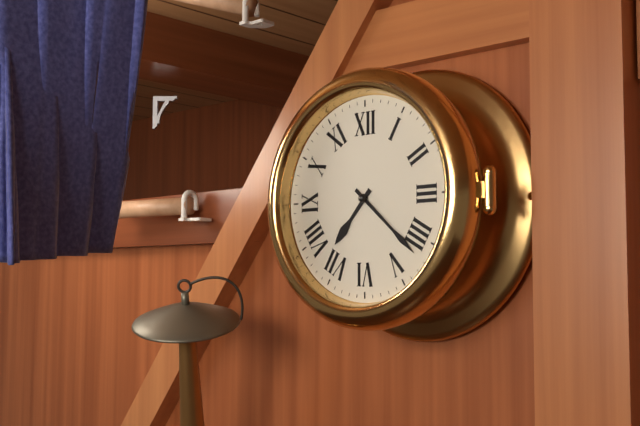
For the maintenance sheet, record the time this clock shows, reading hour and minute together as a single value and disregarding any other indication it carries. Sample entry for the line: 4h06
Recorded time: 7h22
